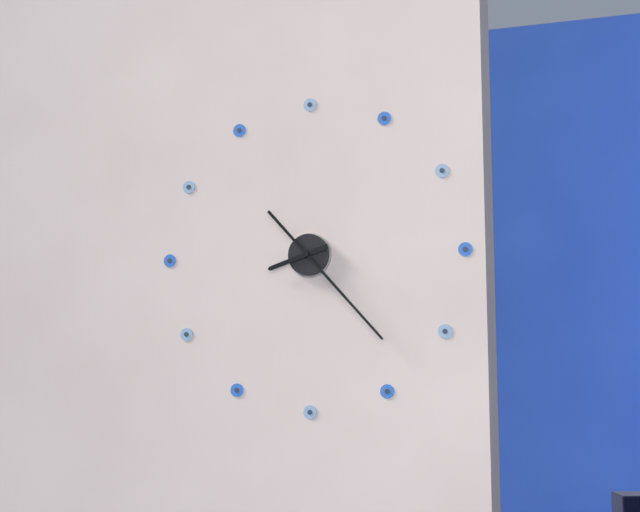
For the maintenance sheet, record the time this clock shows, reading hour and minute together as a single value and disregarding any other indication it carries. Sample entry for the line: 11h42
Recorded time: 8h23
